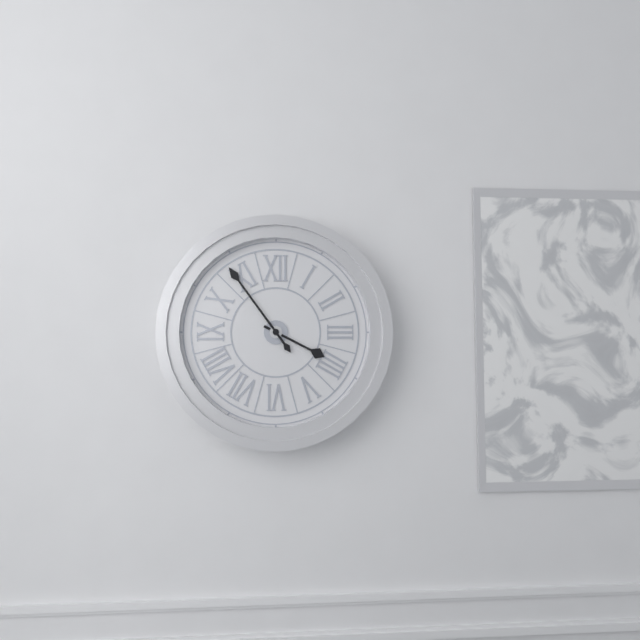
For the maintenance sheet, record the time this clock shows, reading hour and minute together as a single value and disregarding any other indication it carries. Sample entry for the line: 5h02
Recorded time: 3h54
